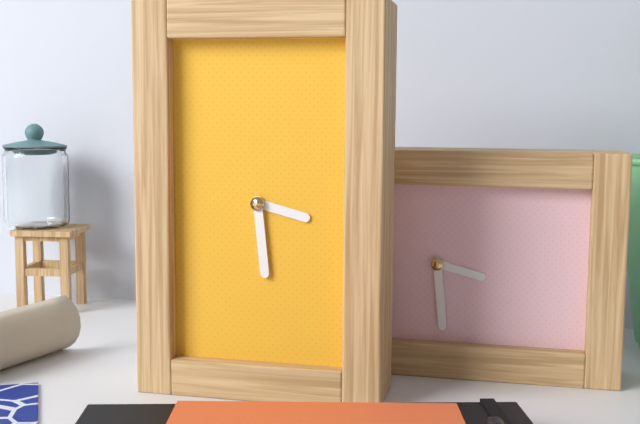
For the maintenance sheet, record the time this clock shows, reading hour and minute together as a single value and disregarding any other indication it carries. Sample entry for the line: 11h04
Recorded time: 3h29
